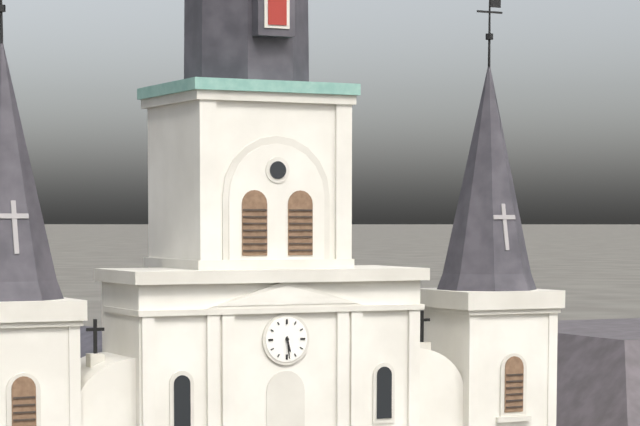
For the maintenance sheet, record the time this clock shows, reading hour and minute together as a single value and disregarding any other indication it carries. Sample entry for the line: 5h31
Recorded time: 5h29
